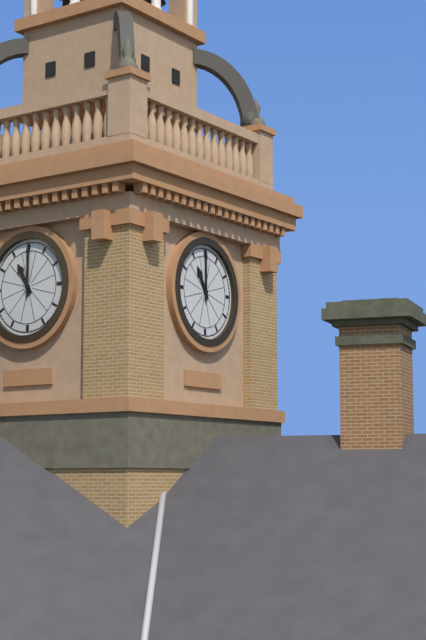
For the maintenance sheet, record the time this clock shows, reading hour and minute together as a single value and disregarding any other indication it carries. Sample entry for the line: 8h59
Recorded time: 11h00
